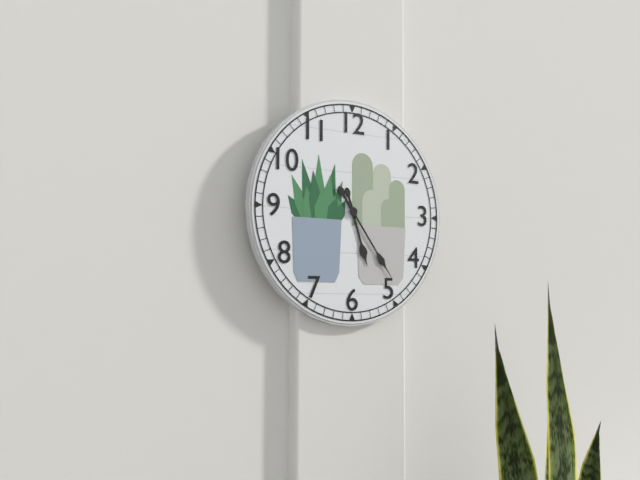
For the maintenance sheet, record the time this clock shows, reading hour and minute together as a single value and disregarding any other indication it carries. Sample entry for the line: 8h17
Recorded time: 5h24
